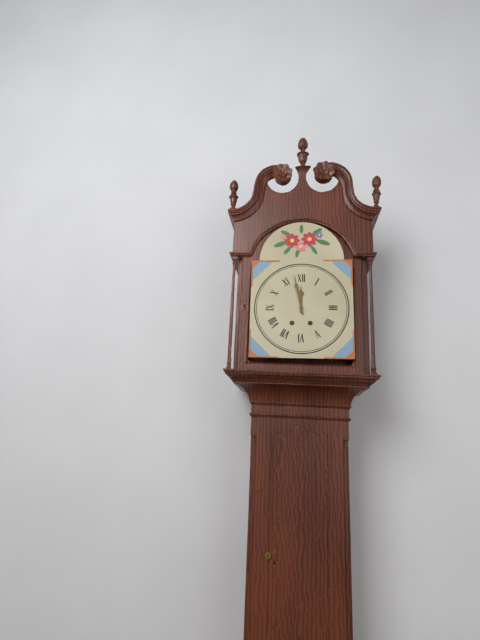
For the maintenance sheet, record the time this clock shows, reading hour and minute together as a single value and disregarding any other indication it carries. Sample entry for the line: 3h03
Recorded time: 11h58
